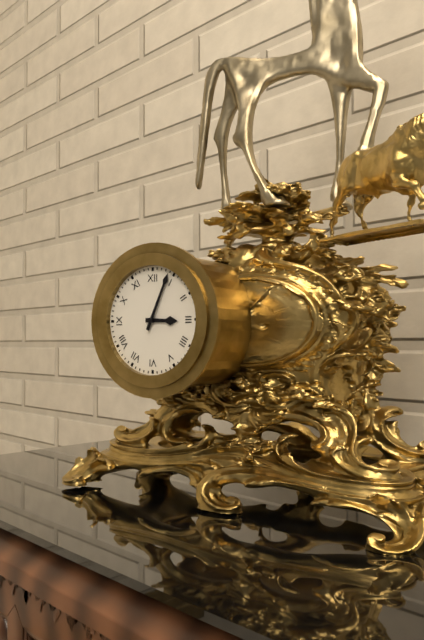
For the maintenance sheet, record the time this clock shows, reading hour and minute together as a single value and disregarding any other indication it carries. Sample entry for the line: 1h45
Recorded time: 3h04
